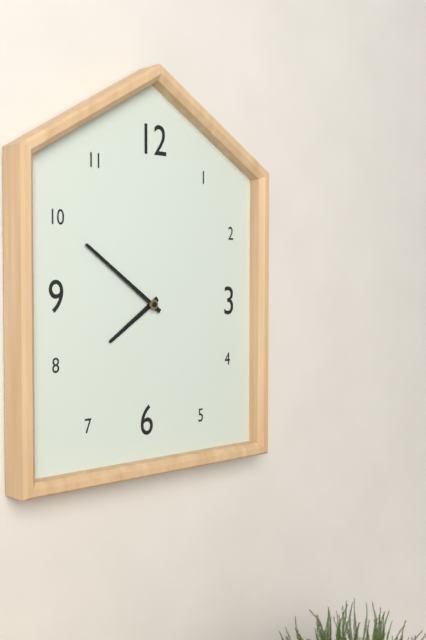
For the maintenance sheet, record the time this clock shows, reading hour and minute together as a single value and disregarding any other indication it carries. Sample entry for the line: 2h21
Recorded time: 7h51
